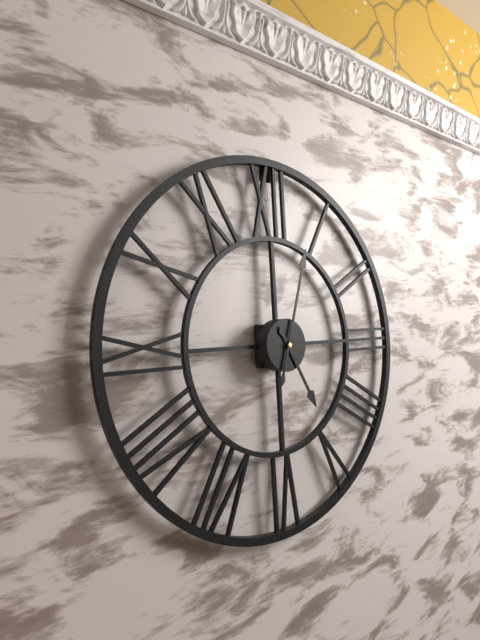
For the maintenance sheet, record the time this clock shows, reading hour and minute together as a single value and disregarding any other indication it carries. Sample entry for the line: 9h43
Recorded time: 5h03
